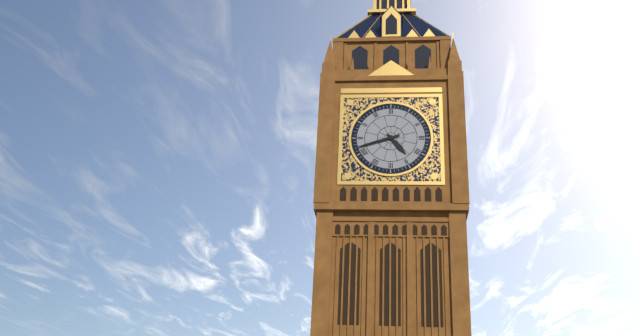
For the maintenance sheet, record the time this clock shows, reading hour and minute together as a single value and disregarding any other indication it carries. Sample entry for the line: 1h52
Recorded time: 4h42
